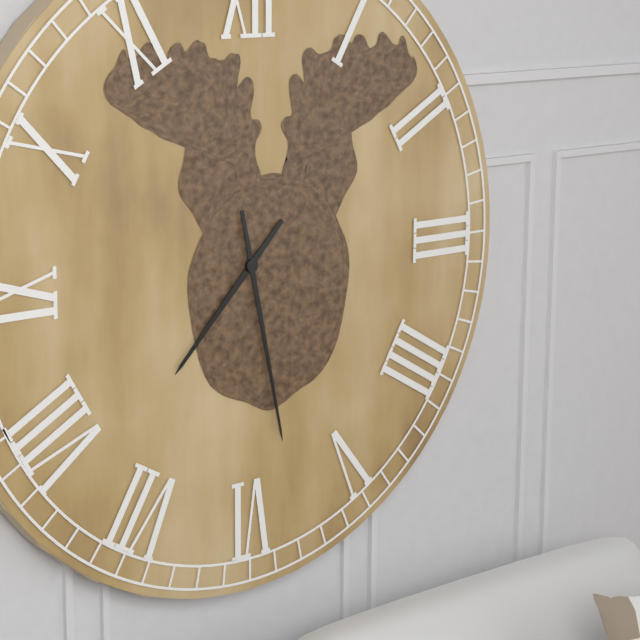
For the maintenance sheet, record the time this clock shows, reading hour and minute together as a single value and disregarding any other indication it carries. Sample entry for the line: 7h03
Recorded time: 7h28
